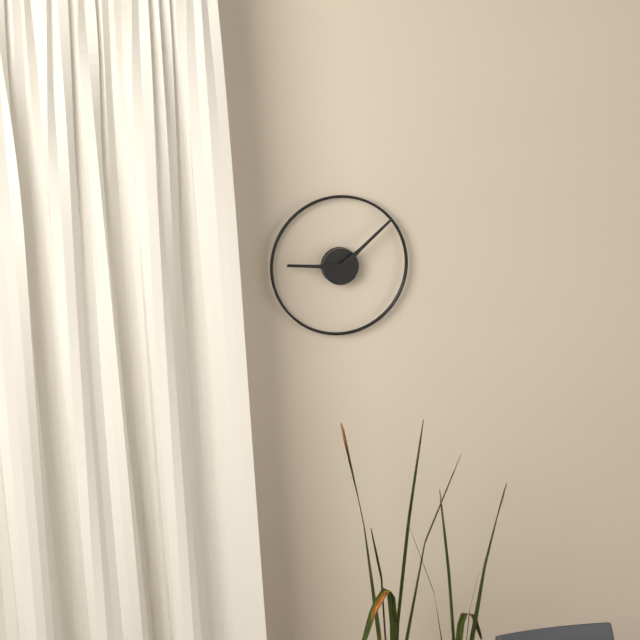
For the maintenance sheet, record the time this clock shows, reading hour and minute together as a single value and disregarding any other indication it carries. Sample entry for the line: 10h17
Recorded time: 9h08
